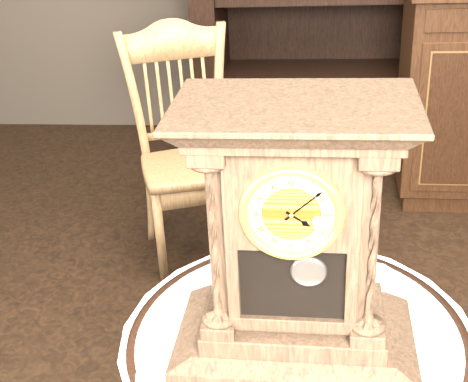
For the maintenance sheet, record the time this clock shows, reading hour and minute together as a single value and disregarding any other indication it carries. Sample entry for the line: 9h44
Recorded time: 4h08
